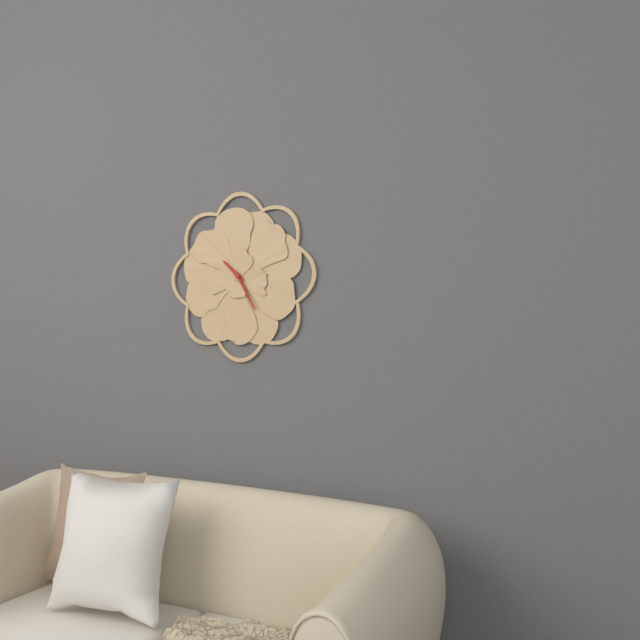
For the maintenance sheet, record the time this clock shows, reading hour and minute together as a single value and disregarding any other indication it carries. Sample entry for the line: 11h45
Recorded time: 10h25
